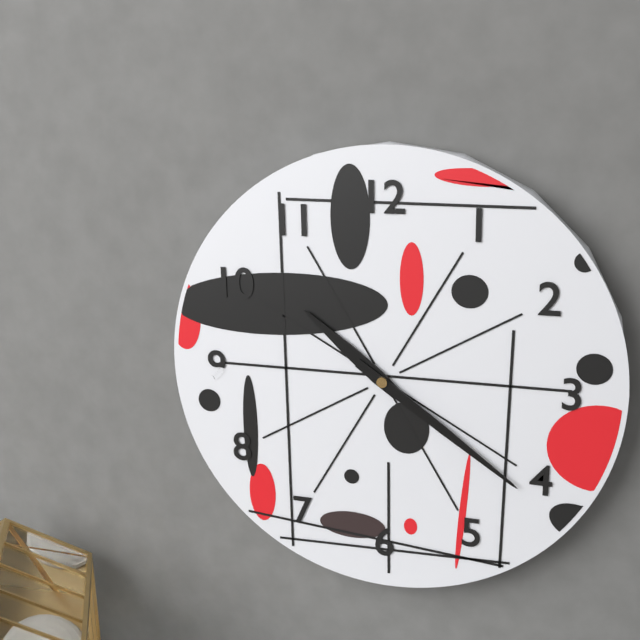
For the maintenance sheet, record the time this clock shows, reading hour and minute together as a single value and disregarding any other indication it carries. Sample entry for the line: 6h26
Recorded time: 10h21
